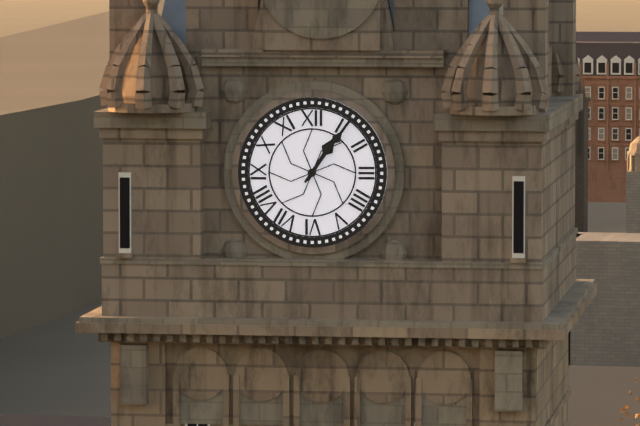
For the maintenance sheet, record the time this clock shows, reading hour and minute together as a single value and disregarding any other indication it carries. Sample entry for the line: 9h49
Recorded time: 1h06
